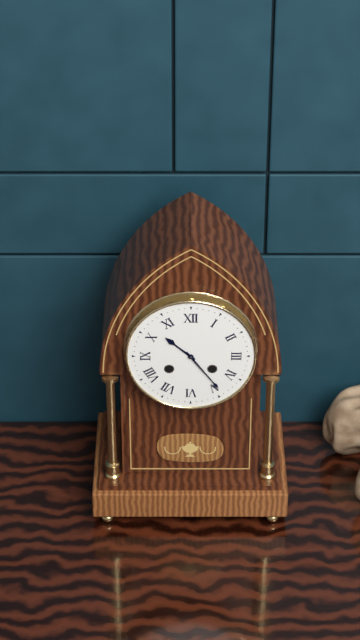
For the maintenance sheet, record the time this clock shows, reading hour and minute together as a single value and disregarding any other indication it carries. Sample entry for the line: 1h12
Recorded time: 10h24
